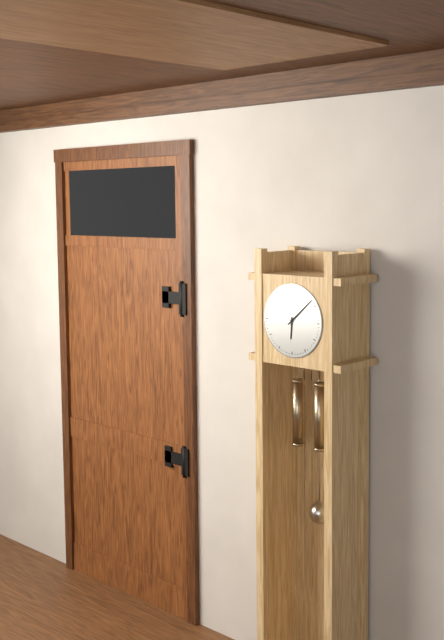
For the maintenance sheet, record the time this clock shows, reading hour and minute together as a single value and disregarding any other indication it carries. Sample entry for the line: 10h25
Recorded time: 6h08
